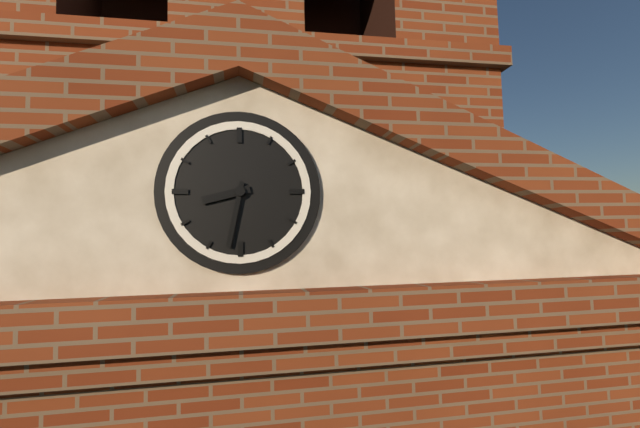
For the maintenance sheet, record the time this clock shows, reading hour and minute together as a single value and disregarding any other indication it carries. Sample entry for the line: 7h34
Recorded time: 8h32
